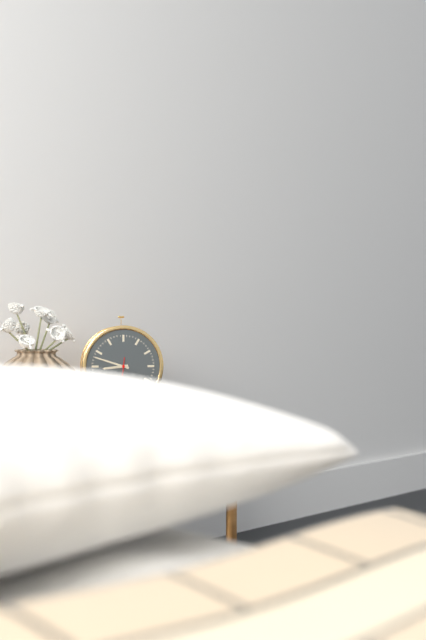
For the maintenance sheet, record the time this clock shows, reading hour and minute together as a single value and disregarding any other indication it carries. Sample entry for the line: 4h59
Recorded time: 8h48
